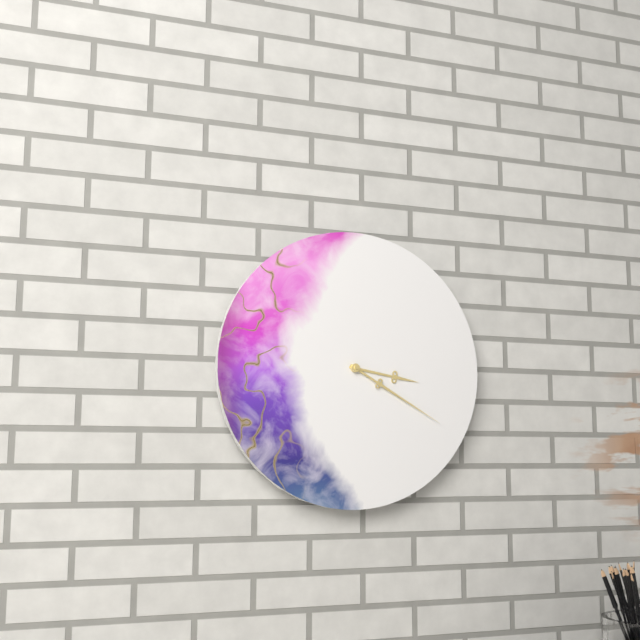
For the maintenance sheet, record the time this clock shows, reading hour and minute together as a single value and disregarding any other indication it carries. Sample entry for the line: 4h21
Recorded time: 3h20
